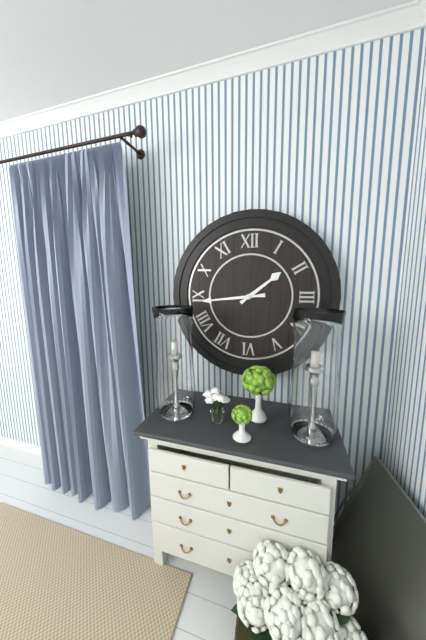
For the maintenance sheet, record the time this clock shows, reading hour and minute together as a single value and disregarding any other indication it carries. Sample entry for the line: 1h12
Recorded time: 1h44
